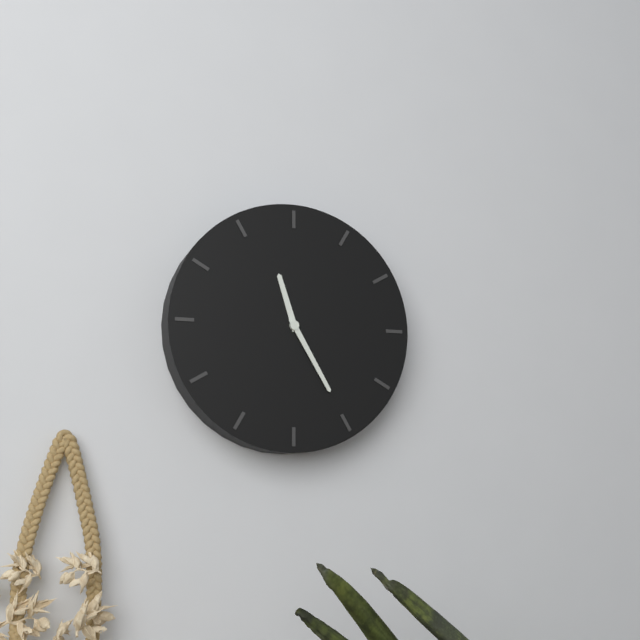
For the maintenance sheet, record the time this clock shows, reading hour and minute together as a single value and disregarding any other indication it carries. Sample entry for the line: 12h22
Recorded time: 11h25
